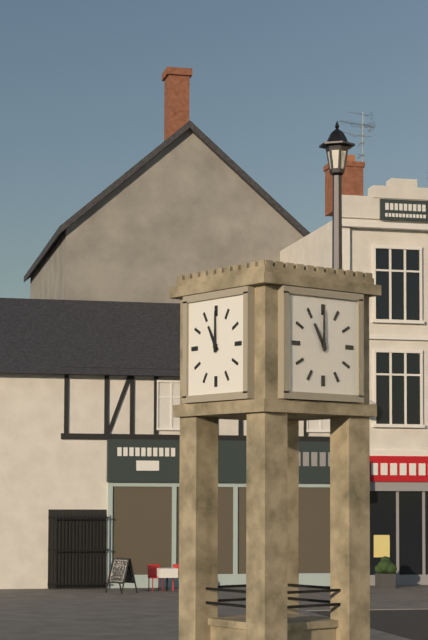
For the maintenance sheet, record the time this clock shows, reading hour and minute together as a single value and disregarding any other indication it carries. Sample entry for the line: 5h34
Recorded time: 11h00
